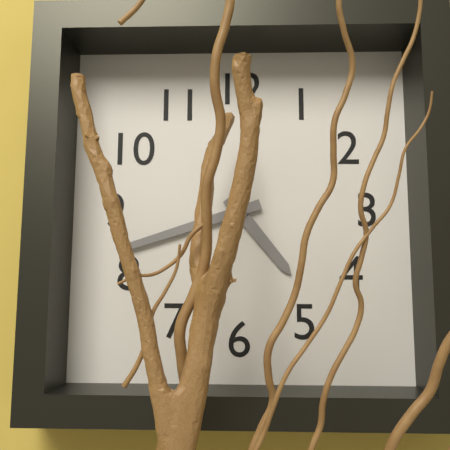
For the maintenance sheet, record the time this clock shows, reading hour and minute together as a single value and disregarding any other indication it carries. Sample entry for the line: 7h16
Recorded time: 4h42
